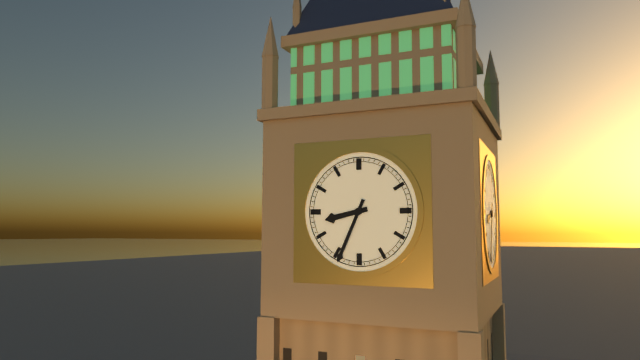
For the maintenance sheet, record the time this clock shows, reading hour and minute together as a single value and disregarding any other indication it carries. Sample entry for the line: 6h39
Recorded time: 8h34
